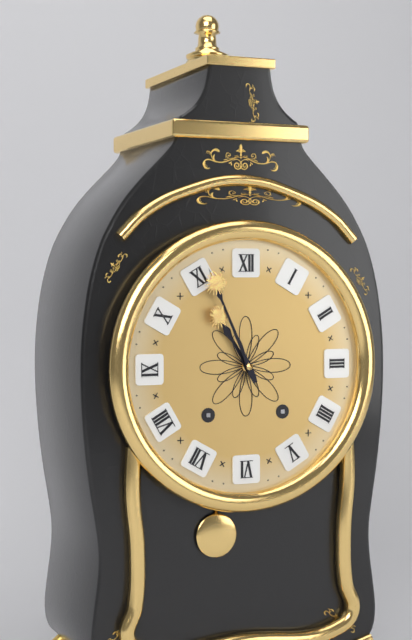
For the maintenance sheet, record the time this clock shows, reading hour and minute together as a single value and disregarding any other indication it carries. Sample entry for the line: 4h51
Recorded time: 10h56
